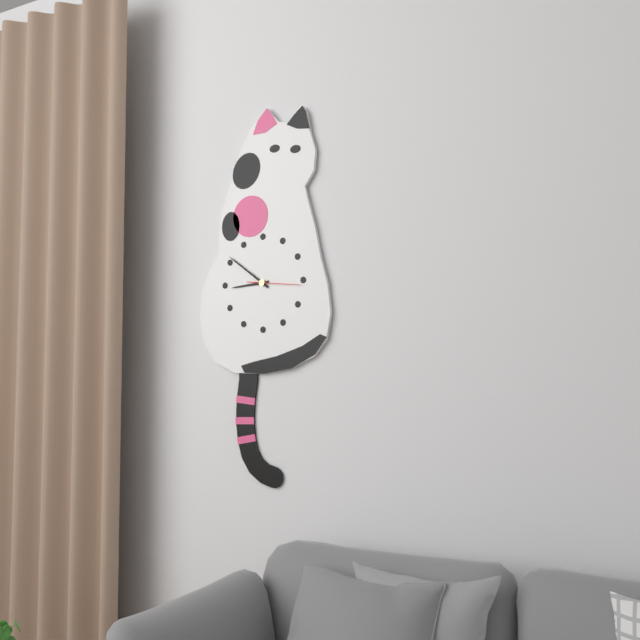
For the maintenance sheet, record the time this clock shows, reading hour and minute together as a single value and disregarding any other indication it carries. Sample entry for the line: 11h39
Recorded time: 8h51
